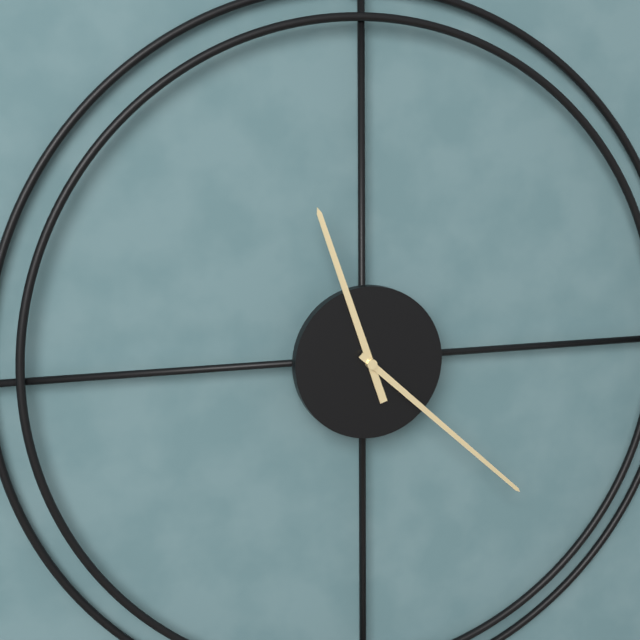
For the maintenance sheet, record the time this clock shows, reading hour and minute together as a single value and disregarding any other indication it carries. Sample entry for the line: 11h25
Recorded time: 11h22
